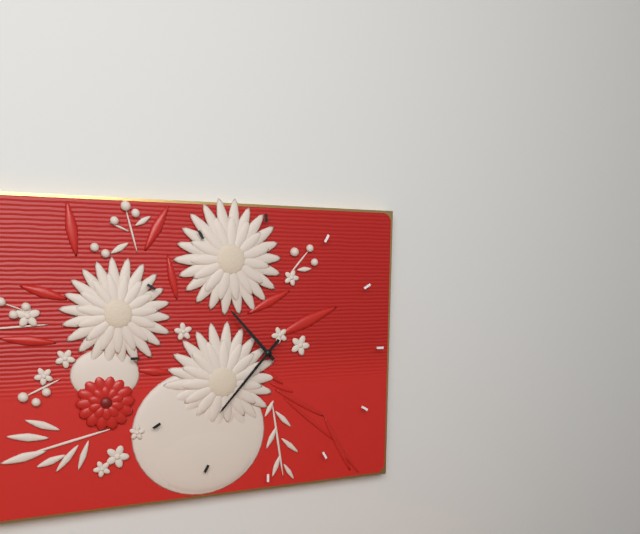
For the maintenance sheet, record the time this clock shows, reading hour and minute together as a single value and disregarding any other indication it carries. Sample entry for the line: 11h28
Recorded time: 10h37
